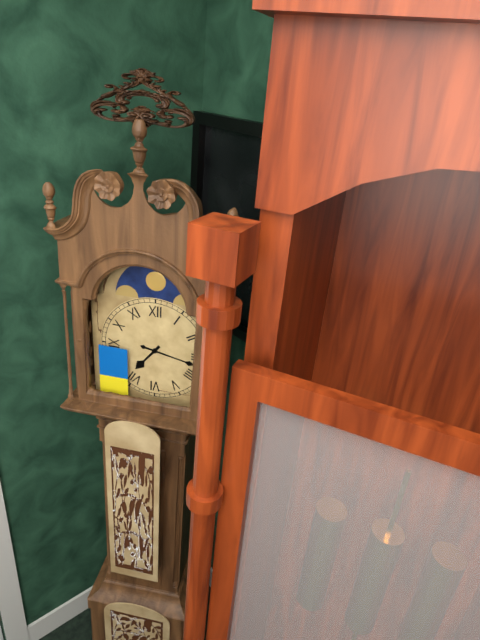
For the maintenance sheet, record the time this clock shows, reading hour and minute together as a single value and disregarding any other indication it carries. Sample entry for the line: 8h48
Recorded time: 7h17
